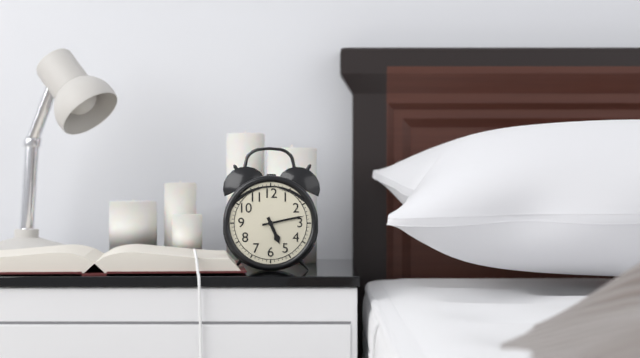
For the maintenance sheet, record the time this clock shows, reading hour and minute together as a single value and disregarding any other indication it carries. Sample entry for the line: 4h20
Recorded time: 5h13
